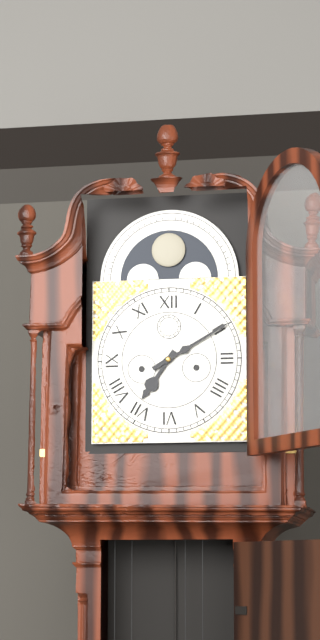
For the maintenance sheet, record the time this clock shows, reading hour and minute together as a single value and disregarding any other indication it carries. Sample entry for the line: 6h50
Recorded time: 7h10
